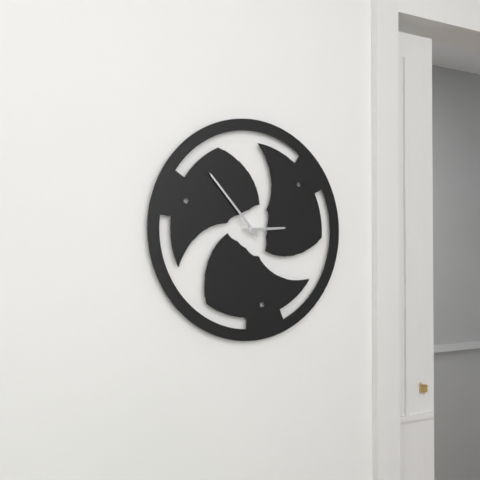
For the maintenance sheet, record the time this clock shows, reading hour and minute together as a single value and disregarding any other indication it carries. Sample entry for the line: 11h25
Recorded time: 2h53
